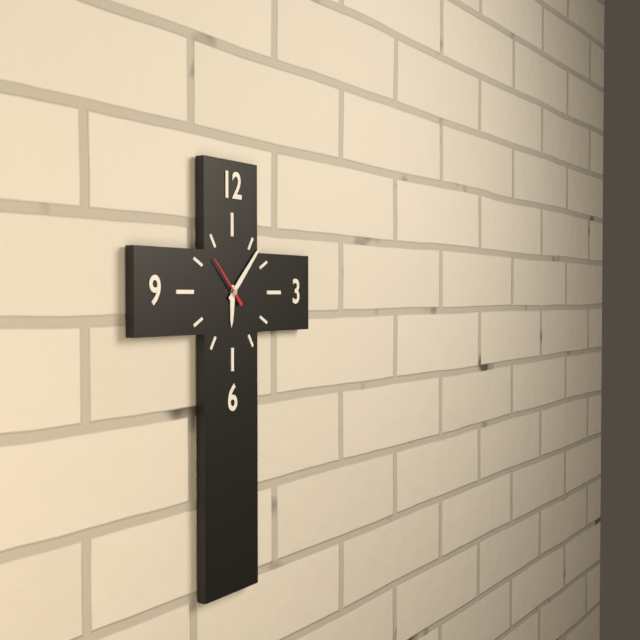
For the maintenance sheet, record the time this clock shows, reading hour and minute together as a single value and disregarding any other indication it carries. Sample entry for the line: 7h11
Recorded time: 6h07
